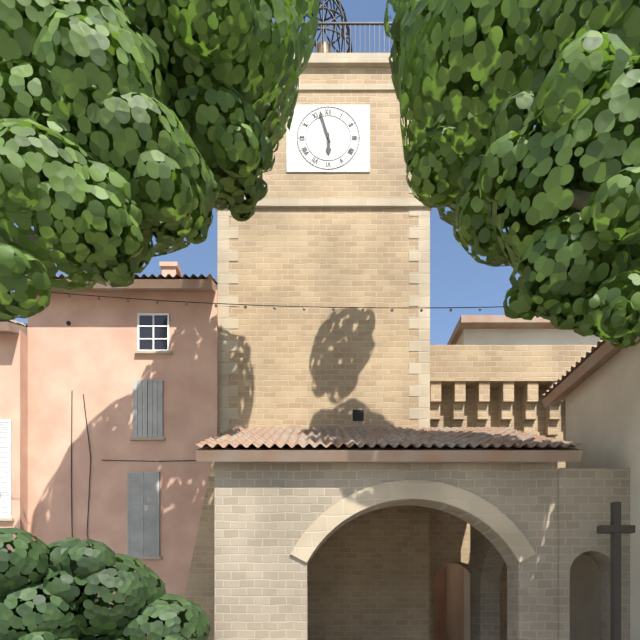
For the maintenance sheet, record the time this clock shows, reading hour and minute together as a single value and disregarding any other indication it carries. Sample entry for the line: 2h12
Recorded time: 5h57
